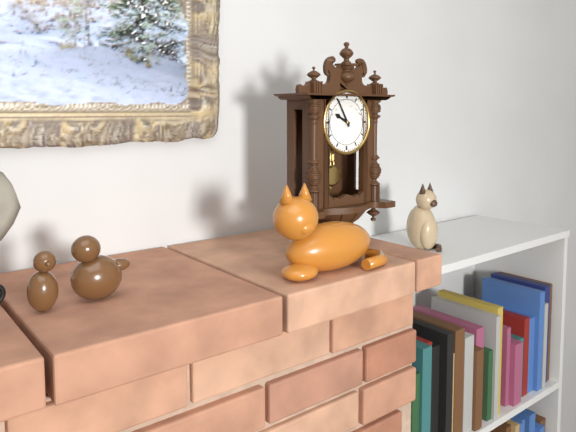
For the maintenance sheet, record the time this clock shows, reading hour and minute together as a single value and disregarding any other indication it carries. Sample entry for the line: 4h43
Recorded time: 9h55
